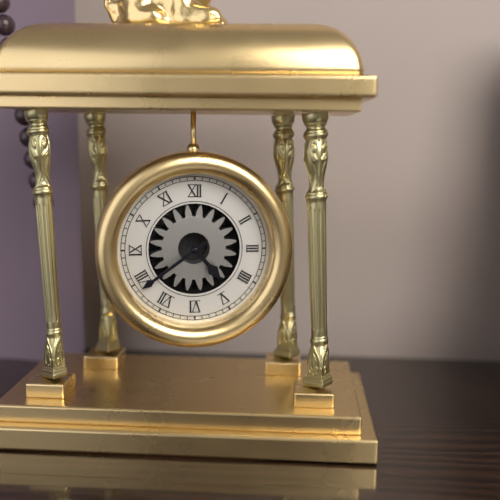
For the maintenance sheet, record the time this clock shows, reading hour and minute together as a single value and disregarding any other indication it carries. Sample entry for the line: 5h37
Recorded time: 4h39
